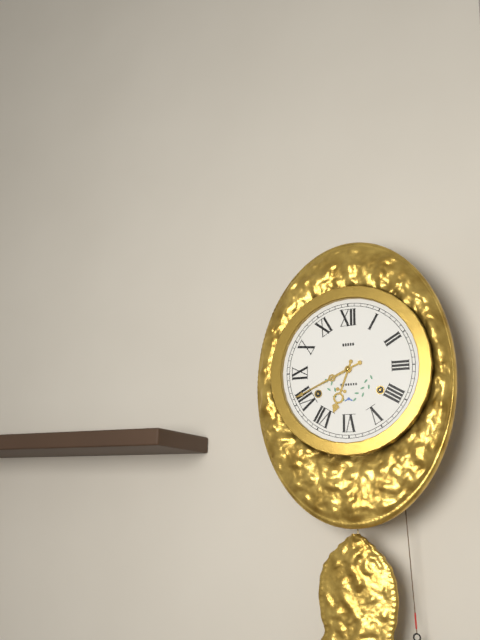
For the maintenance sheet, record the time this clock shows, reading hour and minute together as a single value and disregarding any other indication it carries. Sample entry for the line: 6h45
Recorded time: 6h41
